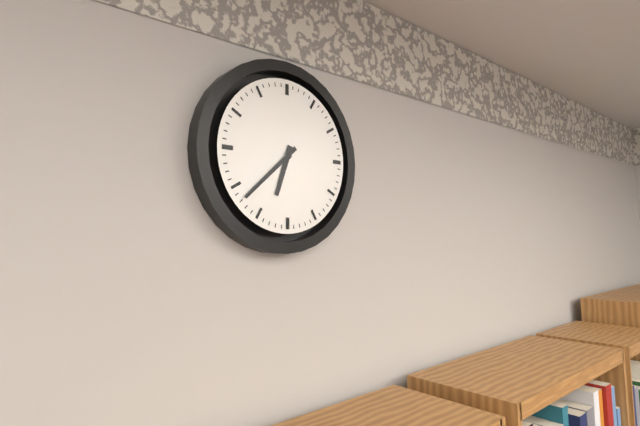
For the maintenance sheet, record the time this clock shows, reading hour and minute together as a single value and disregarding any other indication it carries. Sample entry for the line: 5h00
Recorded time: 6h38
